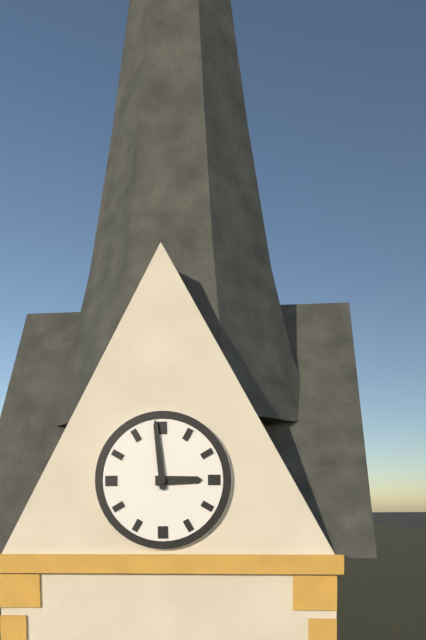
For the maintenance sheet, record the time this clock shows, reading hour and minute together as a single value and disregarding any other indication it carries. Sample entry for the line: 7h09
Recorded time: 2h59
